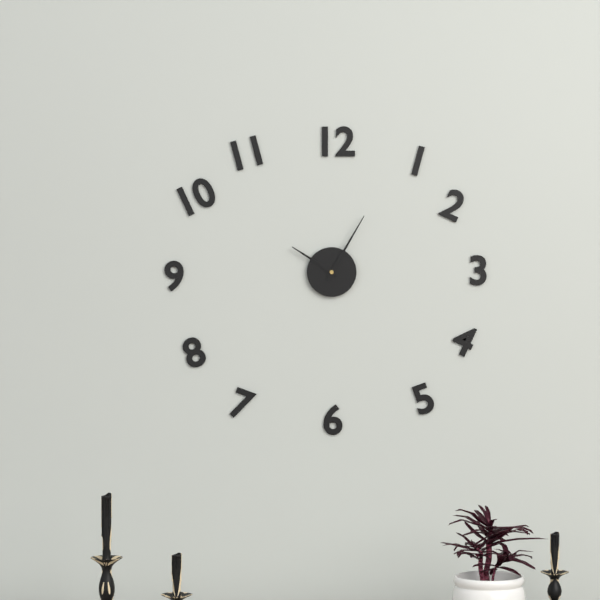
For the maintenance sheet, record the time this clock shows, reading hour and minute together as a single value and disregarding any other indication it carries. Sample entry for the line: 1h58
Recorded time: 10h05
